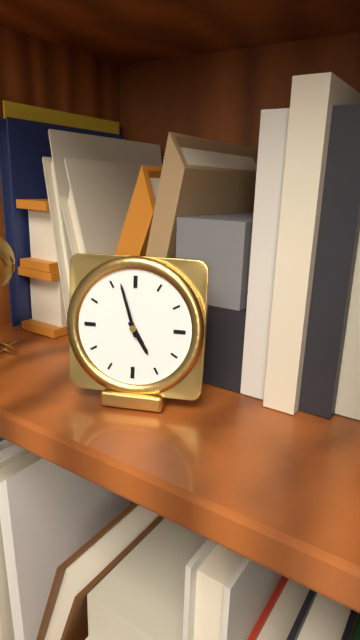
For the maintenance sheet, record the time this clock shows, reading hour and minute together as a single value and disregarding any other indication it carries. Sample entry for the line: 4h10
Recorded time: 4h57
